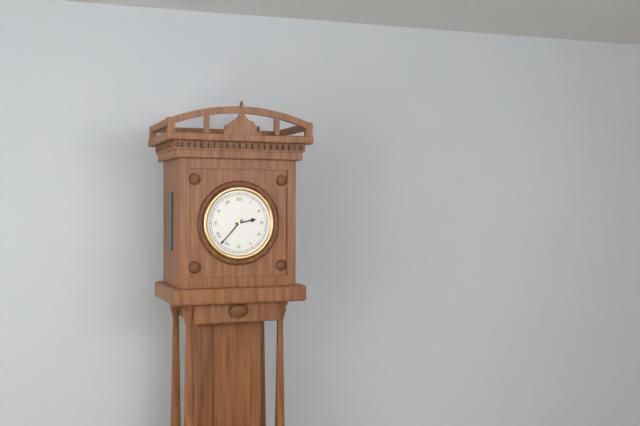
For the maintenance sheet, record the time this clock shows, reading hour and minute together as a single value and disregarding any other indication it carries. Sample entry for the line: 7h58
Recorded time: 2h37
